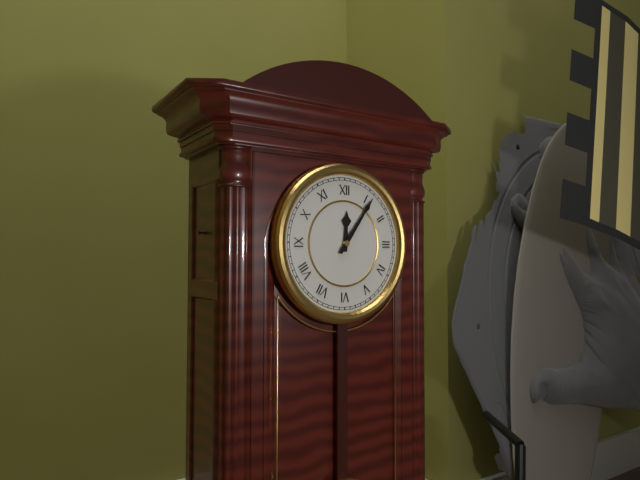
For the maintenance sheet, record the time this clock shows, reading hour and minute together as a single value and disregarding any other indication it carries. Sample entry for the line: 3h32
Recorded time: 12h06
